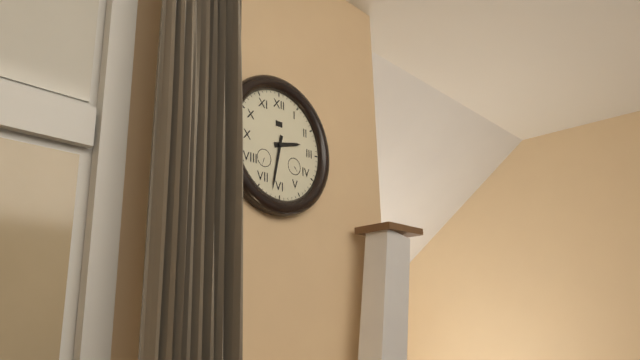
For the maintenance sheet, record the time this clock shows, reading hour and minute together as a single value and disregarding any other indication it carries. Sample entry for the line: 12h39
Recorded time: 2h32
